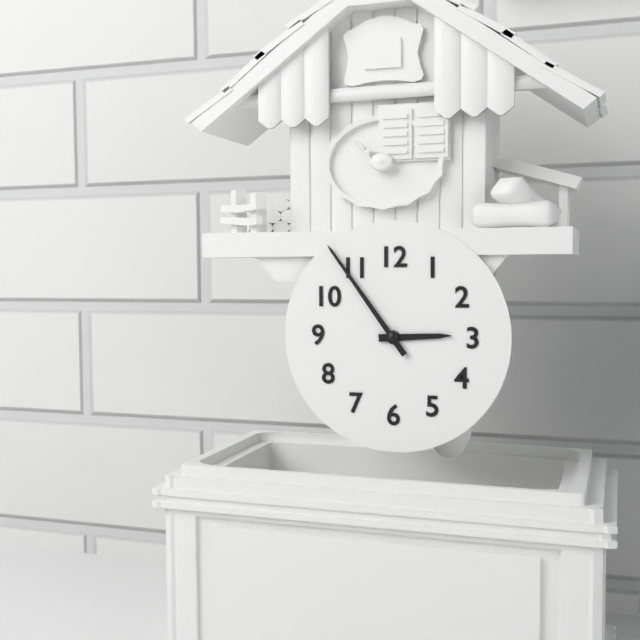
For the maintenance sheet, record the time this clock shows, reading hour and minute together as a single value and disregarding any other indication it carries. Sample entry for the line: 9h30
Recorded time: 2h54
